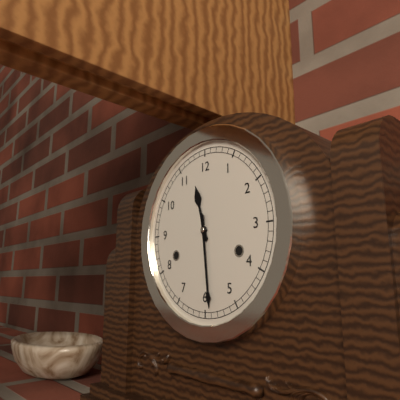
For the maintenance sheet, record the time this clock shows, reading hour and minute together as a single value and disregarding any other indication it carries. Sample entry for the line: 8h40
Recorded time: 11h29
